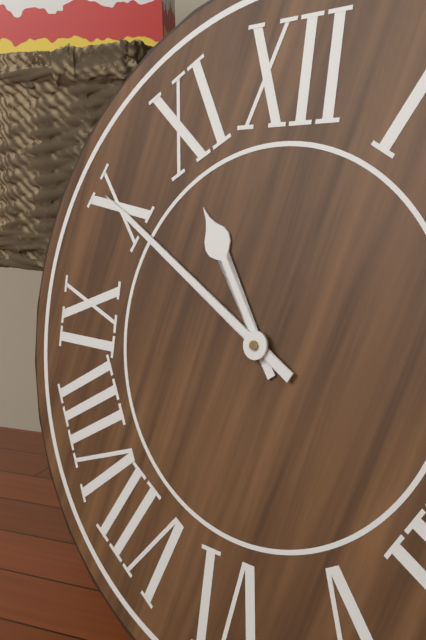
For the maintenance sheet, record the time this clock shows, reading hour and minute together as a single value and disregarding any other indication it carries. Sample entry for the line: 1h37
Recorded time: 10h50
